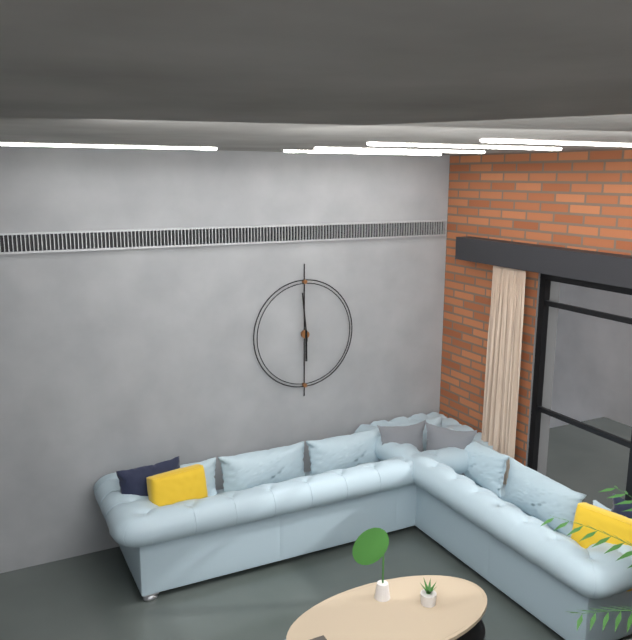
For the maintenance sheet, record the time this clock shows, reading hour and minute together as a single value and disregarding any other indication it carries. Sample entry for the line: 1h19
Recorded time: 5h59
